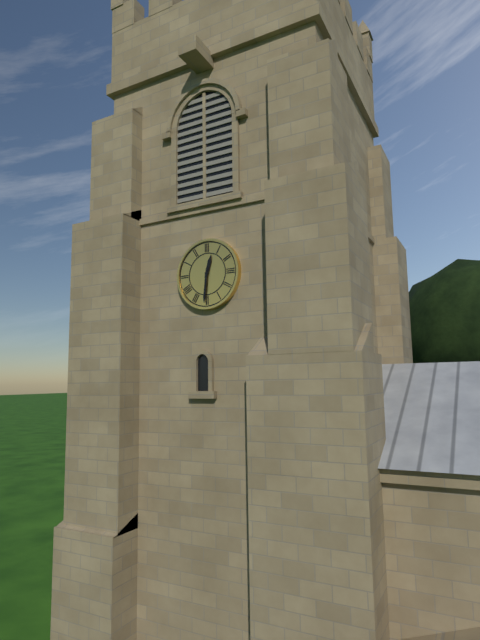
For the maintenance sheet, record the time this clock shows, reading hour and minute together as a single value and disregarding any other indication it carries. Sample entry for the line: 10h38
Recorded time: 12h31
